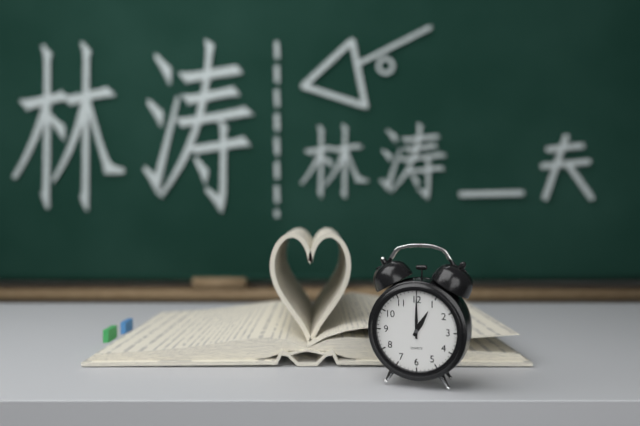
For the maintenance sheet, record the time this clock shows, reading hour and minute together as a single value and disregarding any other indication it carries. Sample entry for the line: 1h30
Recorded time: 1h00
